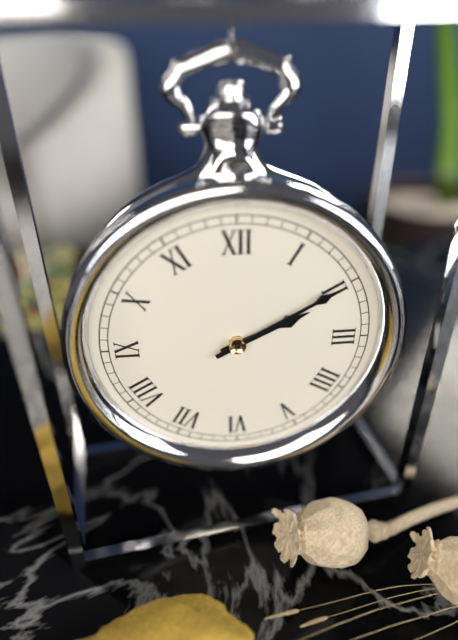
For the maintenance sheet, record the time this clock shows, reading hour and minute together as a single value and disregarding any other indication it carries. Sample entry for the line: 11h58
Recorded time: 2h10
